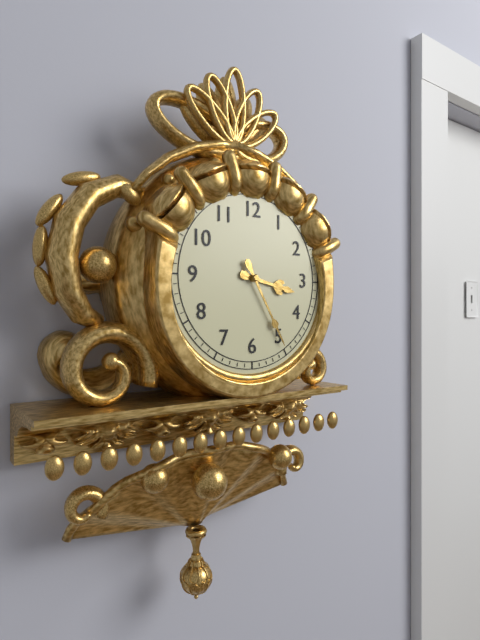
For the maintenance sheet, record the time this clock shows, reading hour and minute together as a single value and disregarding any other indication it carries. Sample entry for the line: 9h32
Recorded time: 3h25
